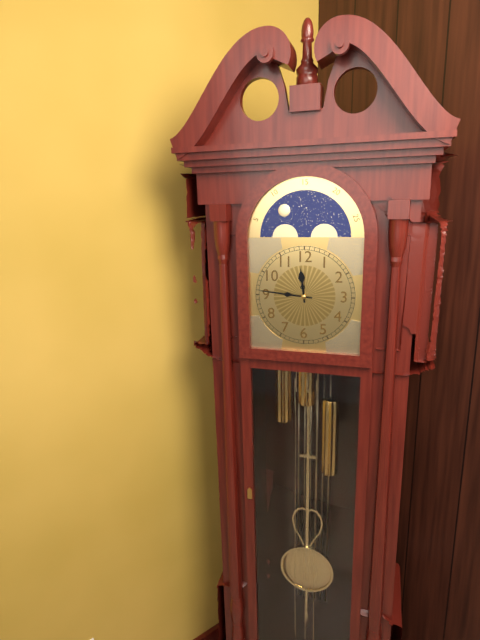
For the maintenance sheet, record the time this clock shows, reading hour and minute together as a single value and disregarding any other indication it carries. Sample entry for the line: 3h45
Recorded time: 11h46
